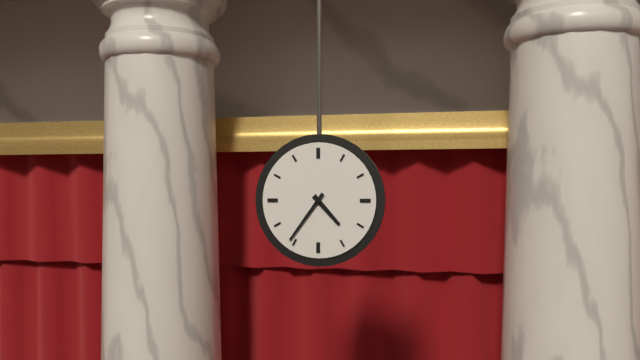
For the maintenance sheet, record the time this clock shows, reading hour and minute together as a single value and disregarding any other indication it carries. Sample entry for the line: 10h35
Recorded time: 4h36
